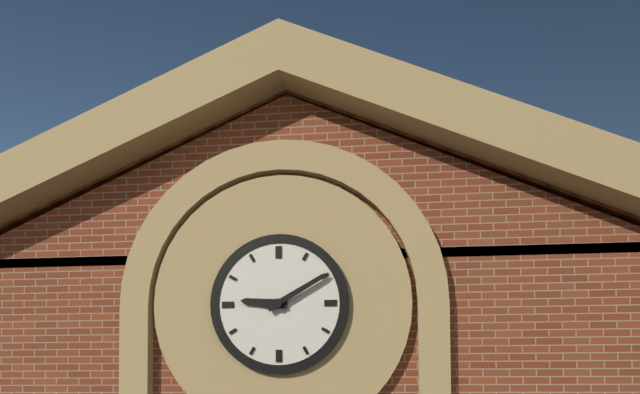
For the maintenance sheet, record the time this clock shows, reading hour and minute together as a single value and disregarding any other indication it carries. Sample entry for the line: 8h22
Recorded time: 9h10
